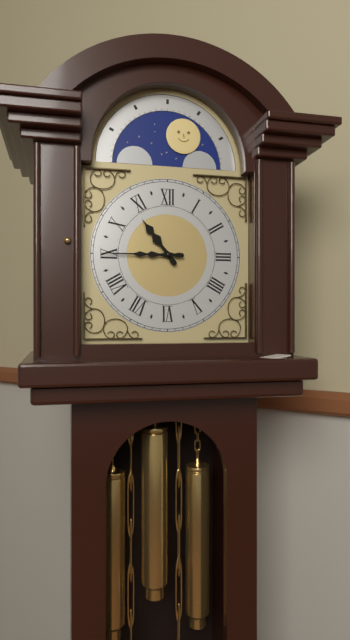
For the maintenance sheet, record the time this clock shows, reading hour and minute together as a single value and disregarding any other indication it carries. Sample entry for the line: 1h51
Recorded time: 10h45
